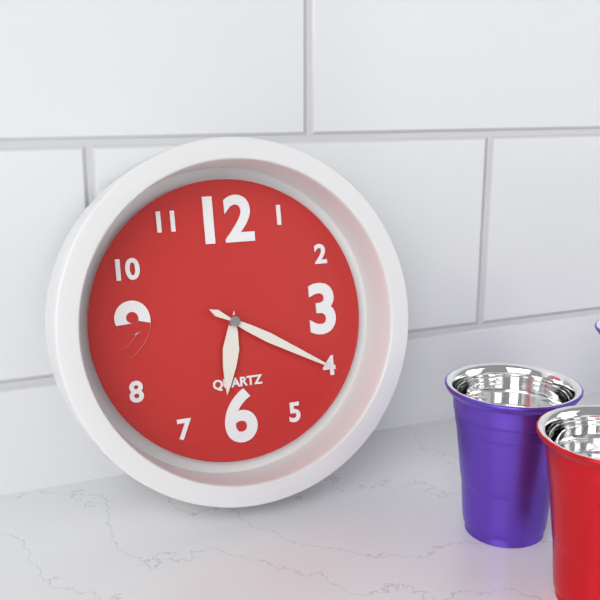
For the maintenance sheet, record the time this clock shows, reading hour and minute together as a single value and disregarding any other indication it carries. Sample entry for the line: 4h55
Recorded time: 6h20
